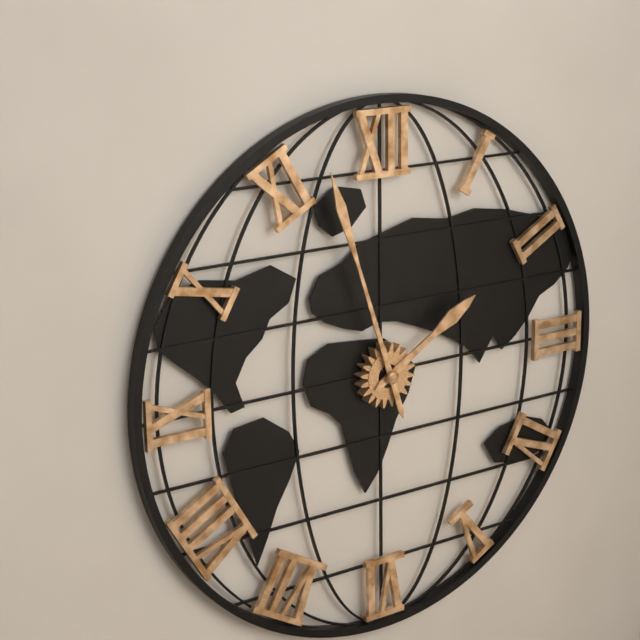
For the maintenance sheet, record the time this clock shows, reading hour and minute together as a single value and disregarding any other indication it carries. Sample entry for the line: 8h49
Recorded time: 1h57
